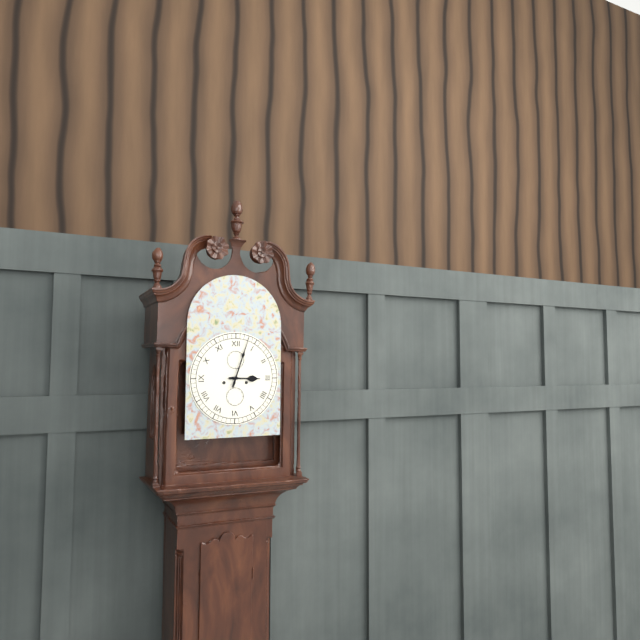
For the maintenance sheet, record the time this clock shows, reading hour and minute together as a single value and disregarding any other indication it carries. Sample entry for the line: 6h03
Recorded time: 3h03
